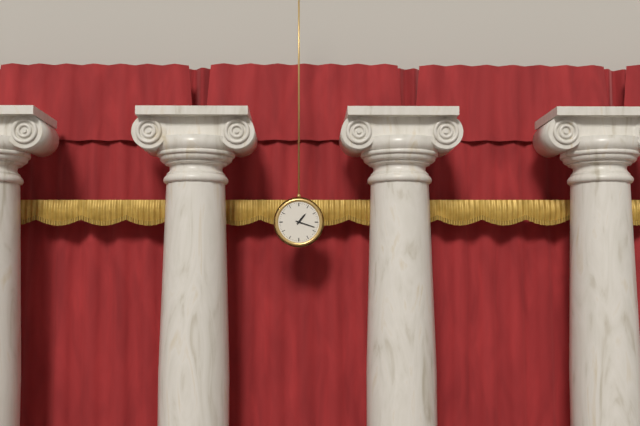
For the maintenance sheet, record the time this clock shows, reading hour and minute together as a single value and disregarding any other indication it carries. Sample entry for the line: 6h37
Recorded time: 1h18
